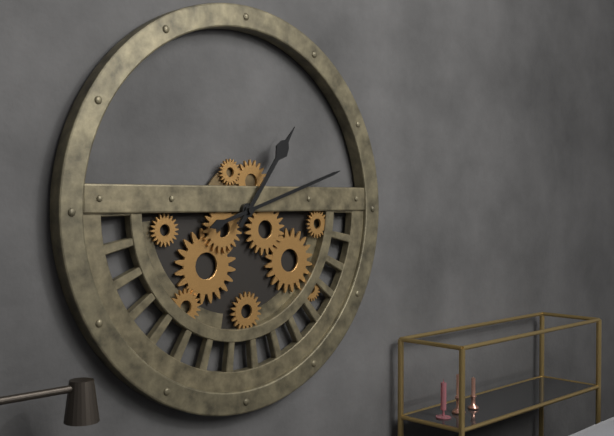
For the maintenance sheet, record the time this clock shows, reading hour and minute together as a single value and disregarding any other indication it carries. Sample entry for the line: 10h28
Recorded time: 1h12
